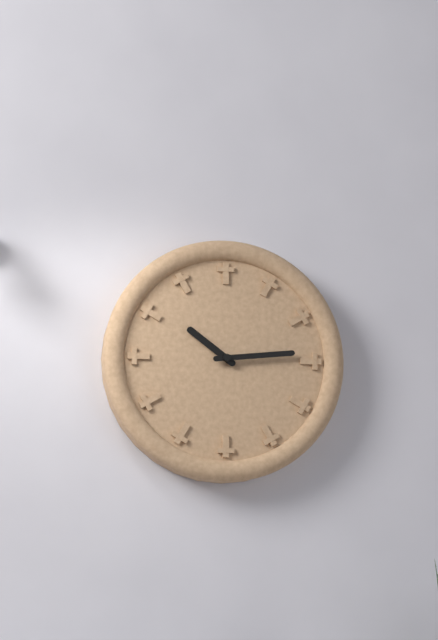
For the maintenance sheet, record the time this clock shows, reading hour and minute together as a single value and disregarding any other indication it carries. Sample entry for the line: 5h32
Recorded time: 10h14
